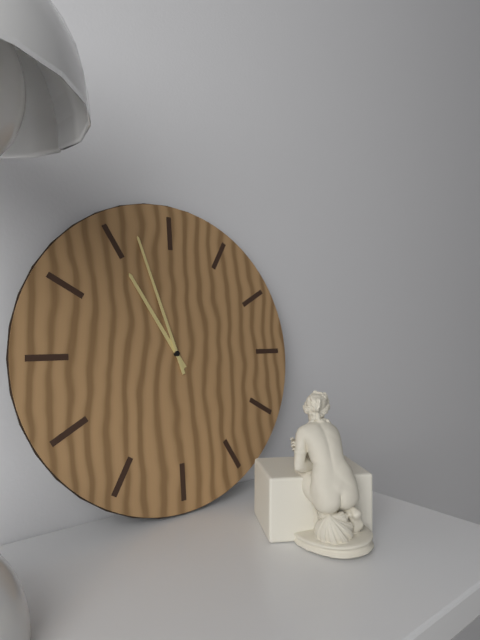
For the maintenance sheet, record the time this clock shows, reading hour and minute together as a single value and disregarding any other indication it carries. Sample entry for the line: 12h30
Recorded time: 10h57
